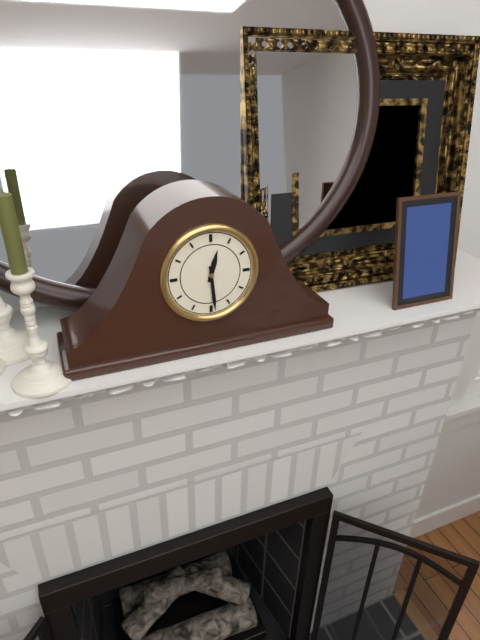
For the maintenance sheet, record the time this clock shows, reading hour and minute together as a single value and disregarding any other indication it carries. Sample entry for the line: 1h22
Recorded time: 12h29
